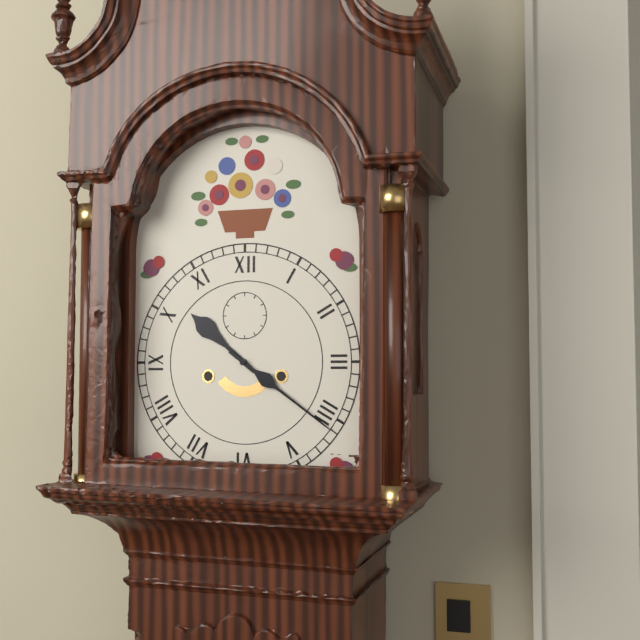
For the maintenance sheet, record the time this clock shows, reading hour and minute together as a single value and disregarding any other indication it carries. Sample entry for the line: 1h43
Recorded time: 10h21
